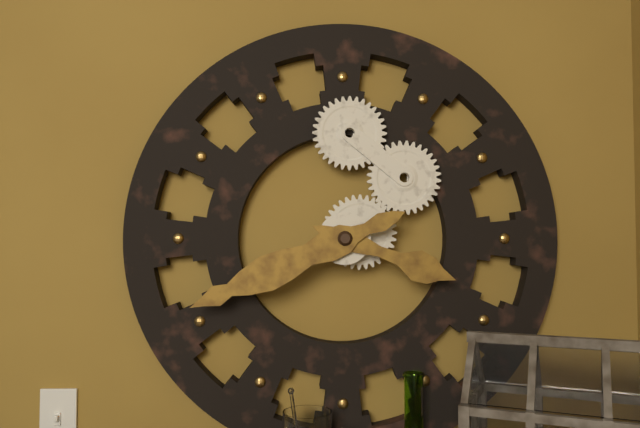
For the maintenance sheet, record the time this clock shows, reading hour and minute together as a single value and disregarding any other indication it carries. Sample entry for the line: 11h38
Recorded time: 3h41
